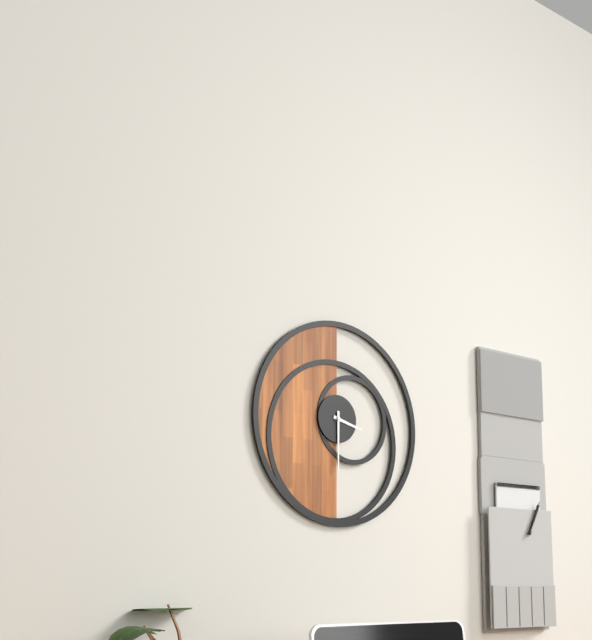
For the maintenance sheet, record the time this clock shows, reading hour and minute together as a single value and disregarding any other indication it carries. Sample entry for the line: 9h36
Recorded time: 3h30
